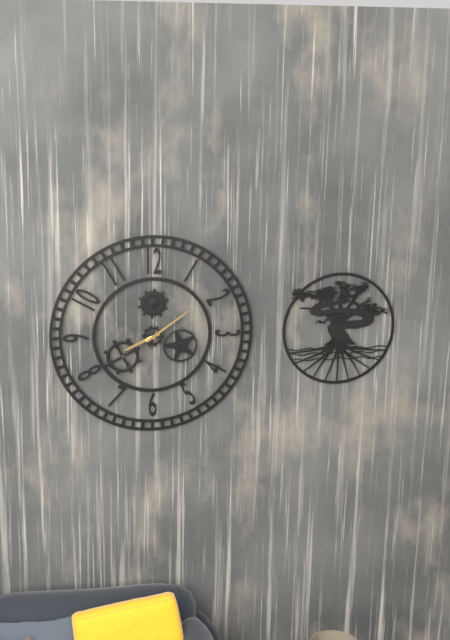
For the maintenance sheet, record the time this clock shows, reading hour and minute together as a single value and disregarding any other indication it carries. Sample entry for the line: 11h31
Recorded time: 8h09
